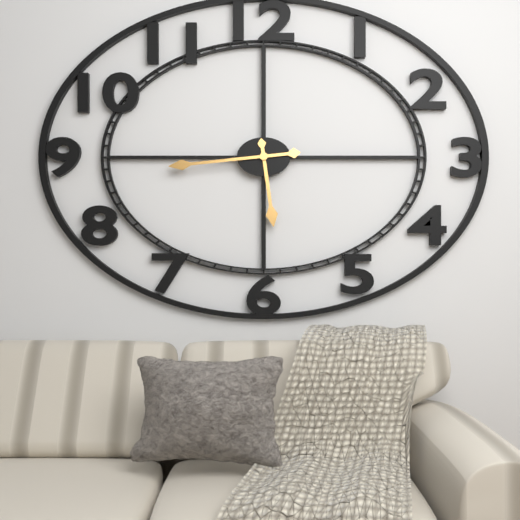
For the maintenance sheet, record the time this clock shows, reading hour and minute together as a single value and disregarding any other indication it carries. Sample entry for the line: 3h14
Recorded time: 5h44
